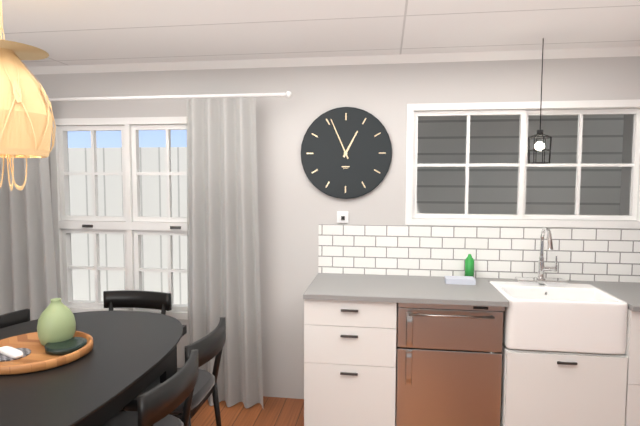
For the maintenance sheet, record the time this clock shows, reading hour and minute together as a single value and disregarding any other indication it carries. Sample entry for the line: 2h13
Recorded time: 12h56
